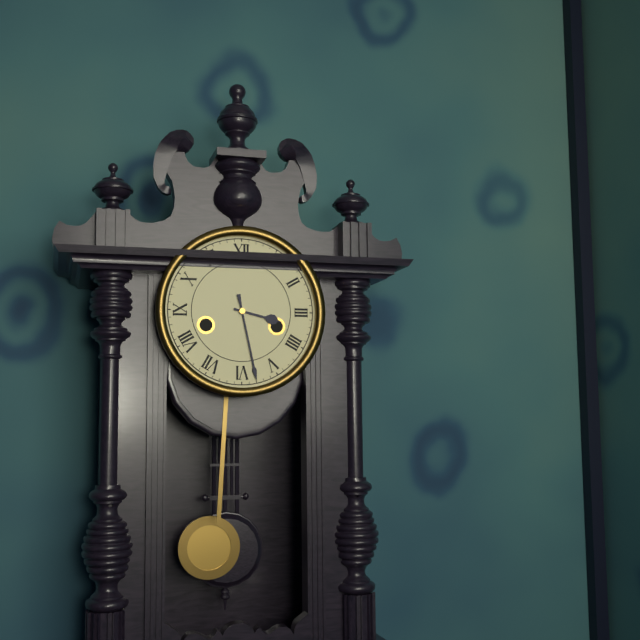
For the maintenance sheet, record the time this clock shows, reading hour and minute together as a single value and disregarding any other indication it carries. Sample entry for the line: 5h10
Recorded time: 3h28
